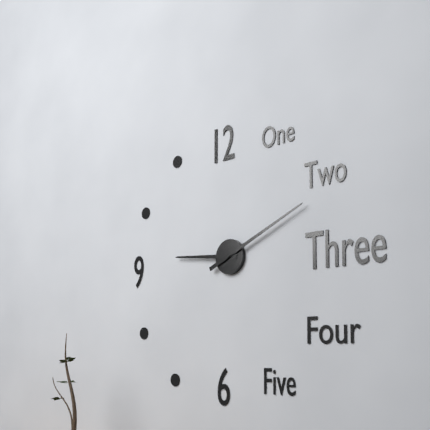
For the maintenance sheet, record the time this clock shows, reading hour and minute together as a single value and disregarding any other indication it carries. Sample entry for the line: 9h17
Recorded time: 9h11
